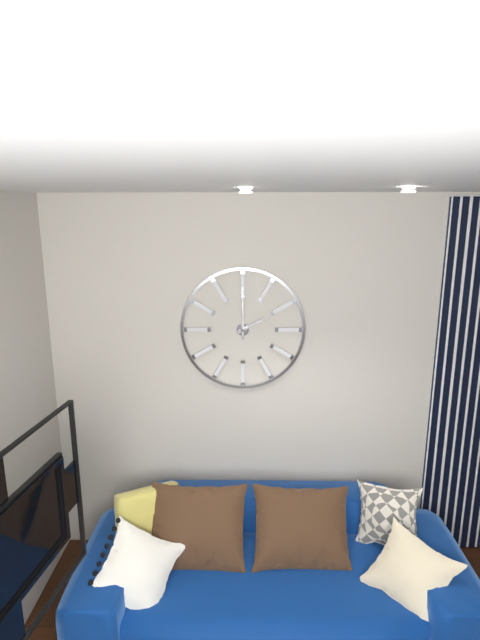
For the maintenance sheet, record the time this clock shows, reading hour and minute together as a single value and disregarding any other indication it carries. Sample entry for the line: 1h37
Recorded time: 2h00
